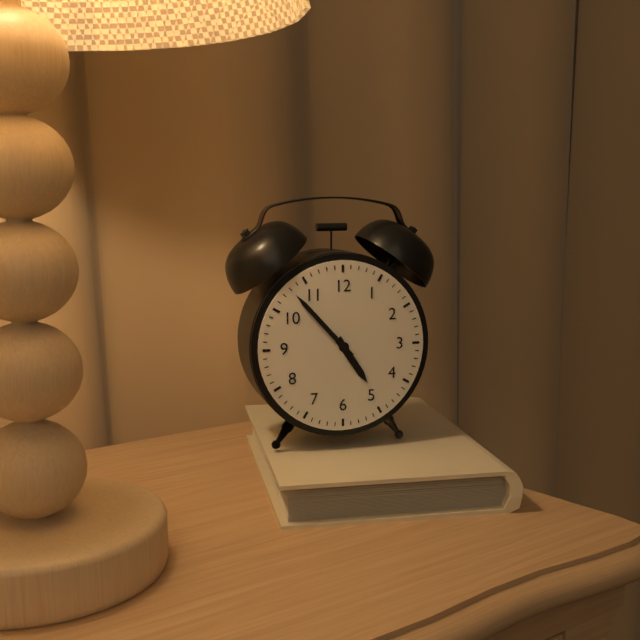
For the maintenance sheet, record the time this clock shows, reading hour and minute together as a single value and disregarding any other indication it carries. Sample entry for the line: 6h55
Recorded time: 4h53
